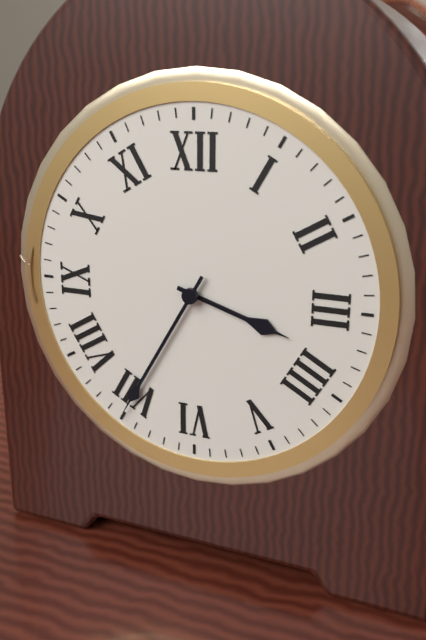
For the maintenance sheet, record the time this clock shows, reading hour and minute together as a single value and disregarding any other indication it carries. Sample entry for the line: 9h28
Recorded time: 3h35
